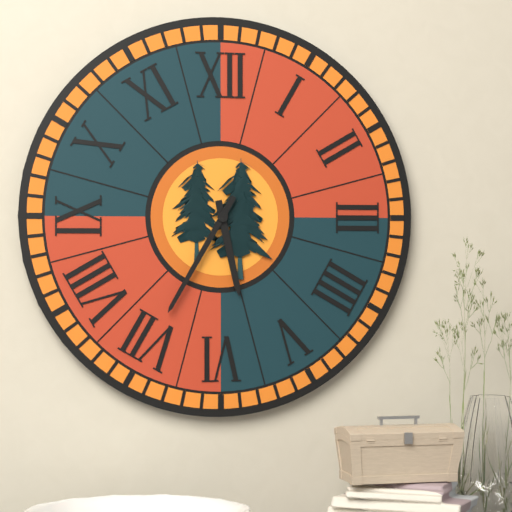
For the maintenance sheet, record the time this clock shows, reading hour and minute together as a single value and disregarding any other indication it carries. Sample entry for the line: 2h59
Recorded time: 5h35
